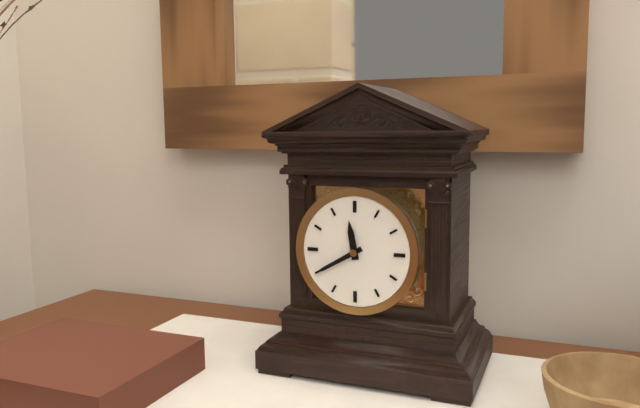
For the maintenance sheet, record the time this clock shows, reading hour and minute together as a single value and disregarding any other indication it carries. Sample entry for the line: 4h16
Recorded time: 11h40
